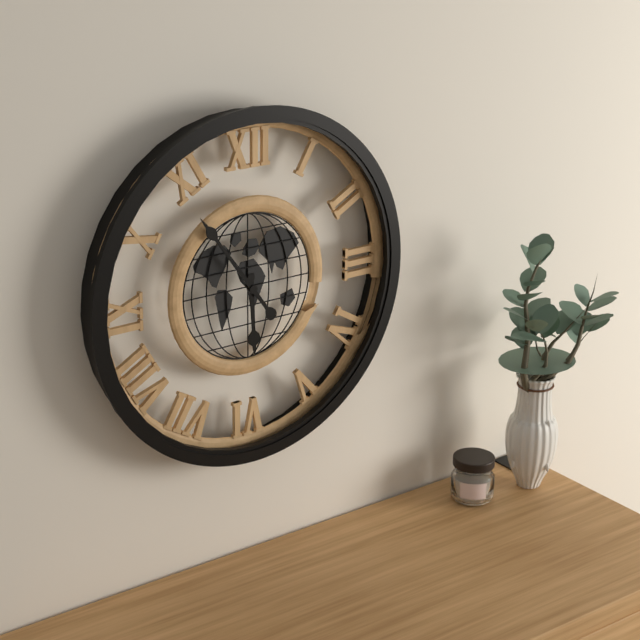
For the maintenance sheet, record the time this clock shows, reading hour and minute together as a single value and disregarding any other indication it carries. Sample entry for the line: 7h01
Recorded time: 5h54
